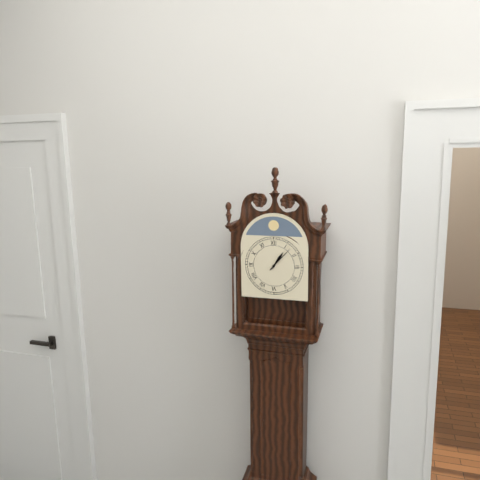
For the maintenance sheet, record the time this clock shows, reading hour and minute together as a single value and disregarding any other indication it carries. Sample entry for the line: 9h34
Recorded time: 1h07
